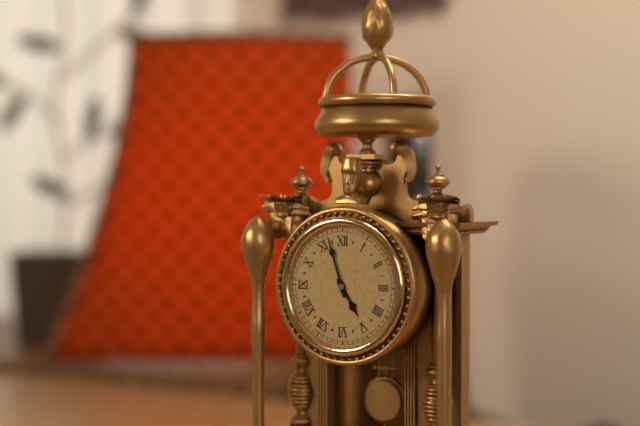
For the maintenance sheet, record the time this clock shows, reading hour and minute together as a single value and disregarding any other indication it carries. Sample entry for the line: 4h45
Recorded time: 4h57
